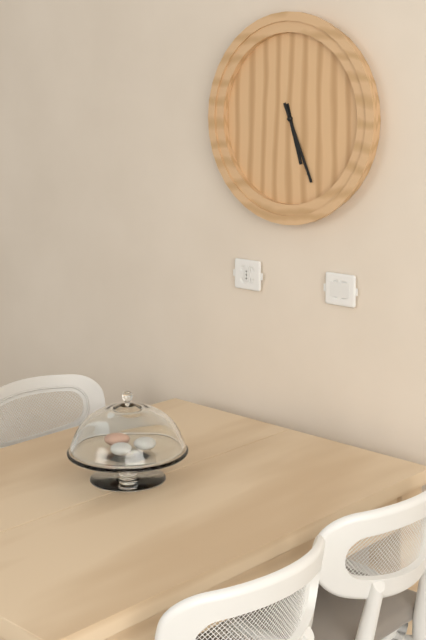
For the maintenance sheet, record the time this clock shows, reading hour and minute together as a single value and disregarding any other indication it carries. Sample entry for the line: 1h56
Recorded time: 5h26
